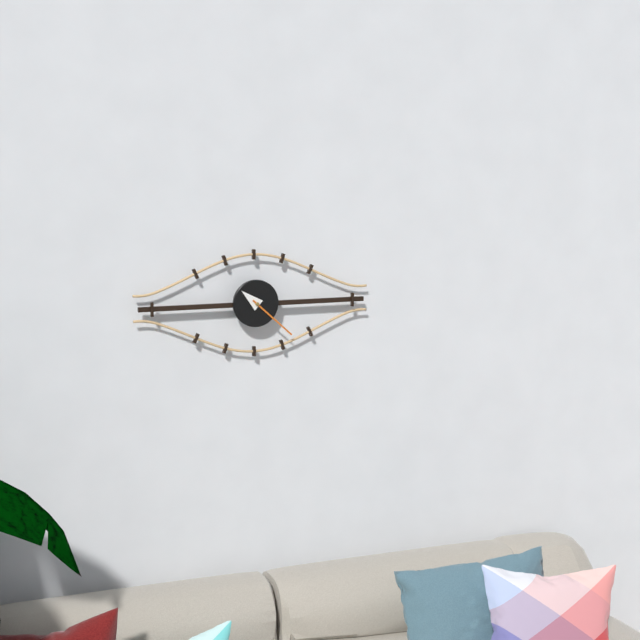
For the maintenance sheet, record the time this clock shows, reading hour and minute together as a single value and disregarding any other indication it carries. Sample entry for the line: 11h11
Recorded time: 10h22
